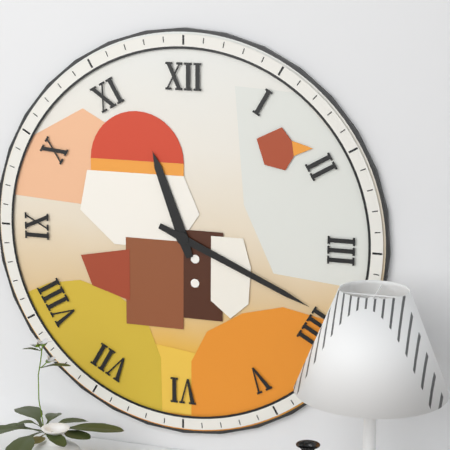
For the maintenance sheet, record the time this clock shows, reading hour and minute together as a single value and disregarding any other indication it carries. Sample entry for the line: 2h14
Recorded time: 11h19
